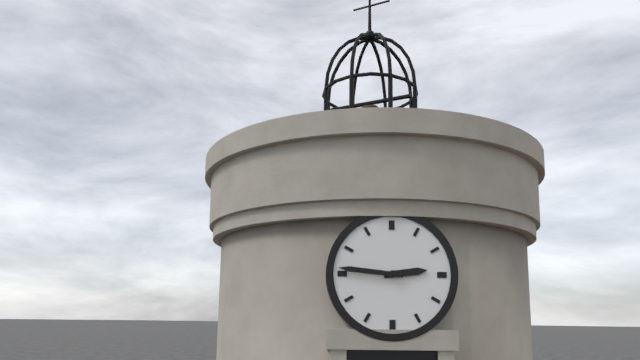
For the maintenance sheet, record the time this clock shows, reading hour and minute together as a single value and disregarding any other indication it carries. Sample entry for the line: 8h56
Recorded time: 2h46
